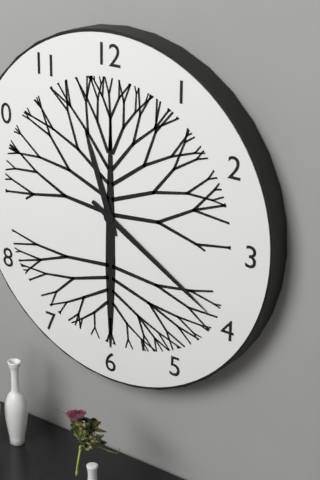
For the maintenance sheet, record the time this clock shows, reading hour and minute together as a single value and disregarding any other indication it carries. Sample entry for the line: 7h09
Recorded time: 11h20
